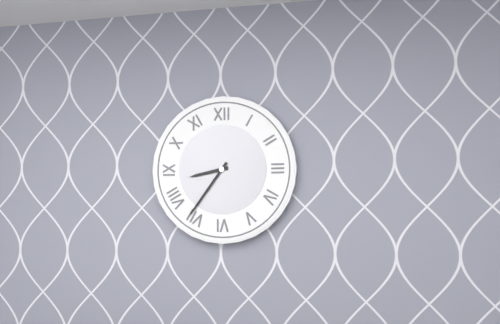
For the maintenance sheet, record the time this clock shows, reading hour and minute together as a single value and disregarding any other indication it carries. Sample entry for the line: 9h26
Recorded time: 8h36
